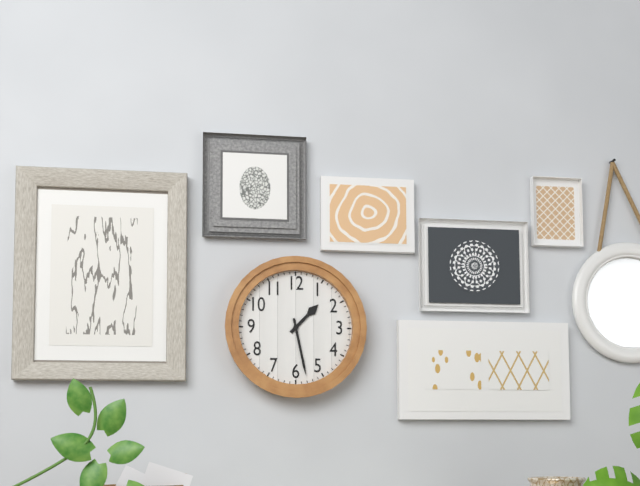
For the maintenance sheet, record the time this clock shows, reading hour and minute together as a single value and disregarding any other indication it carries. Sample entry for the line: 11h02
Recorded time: 1h28
